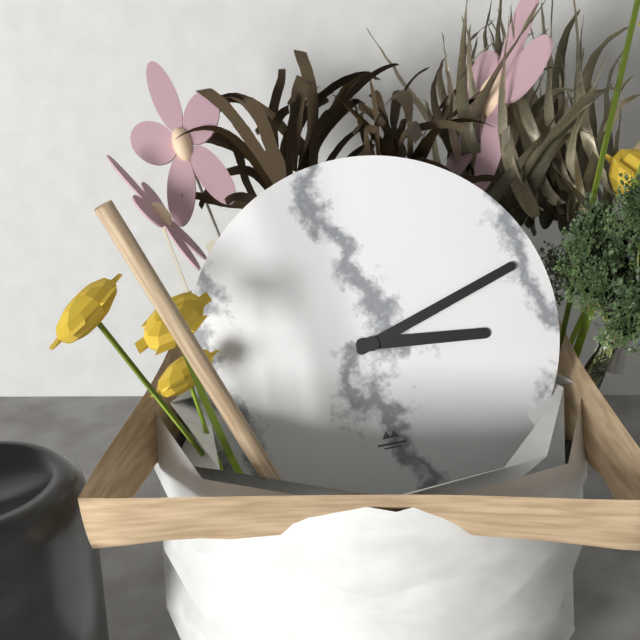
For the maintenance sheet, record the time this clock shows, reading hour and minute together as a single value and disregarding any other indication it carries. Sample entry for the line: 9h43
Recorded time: 3h12
